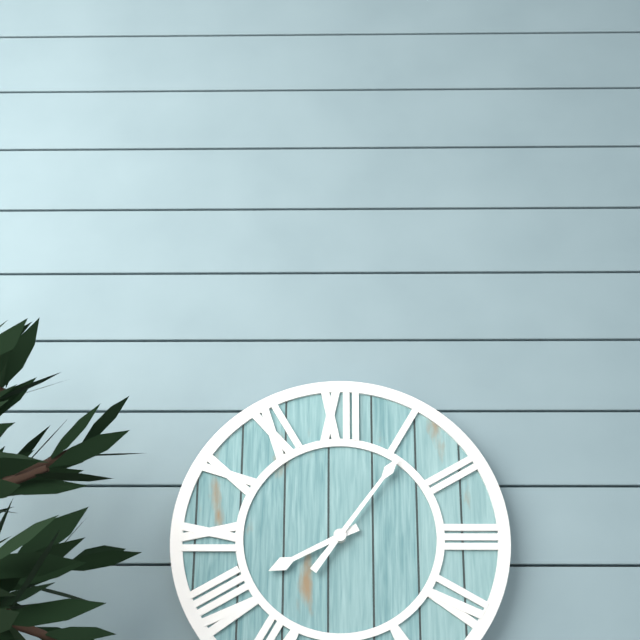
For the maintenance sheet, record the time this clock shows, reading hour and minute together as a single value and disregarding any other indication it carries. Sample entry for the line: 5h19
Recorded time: 8h06
